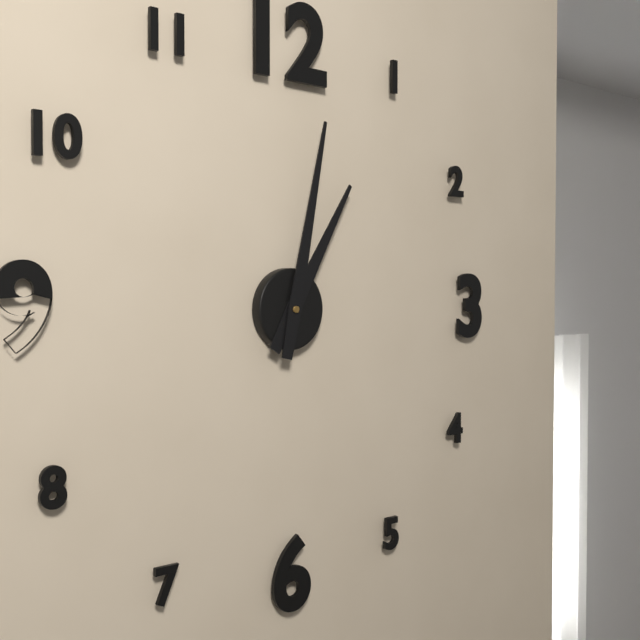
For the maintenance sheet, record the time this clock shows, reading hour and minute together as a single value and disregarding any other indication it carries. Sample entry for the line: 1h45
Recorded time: 1h02
